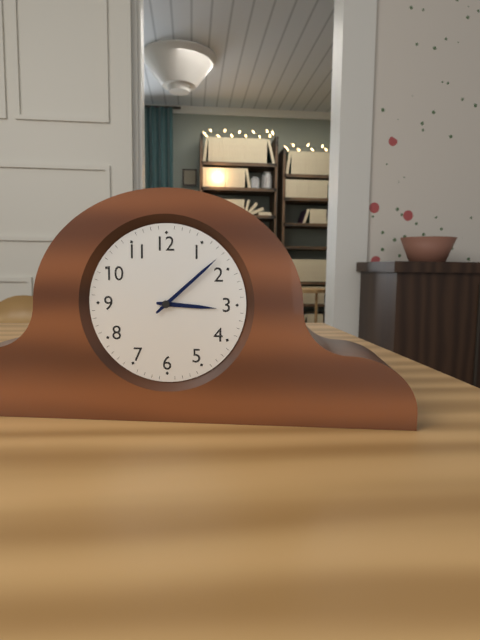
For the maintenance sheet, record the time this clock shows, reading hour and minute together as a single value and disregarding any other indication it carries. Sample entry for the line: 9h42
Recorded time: 3h08
